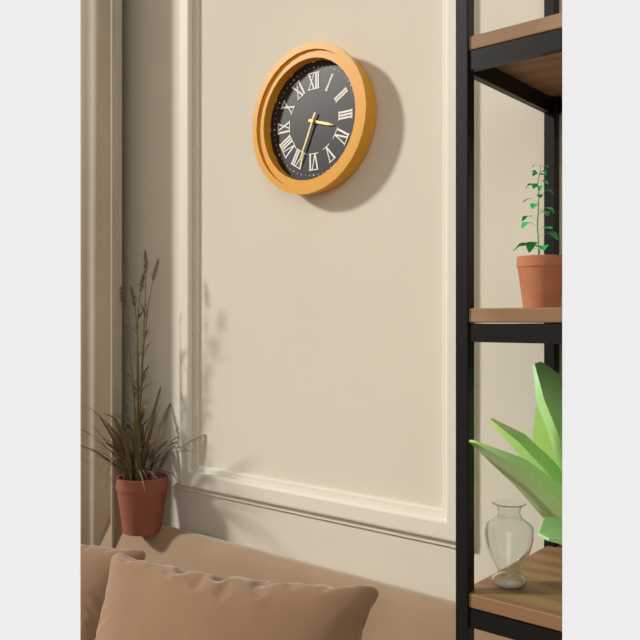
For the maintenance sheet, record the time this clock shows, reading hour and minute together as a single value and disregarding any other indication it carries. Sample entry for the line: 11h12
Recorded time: 3h34
